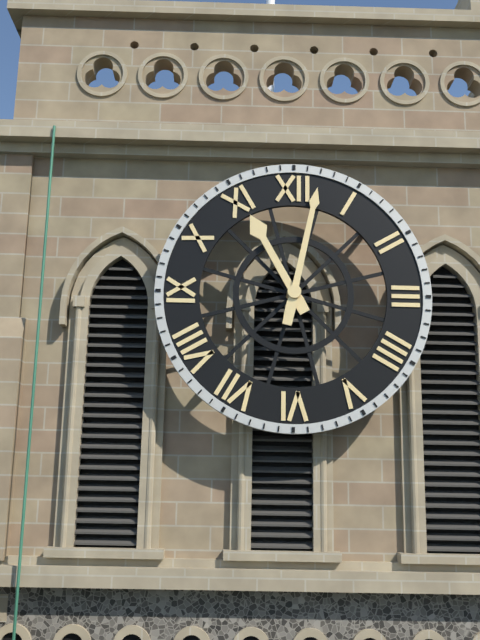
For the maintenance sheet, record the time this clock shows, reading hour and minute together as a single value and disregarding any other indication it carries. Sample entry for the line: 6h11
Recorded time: 11h02
